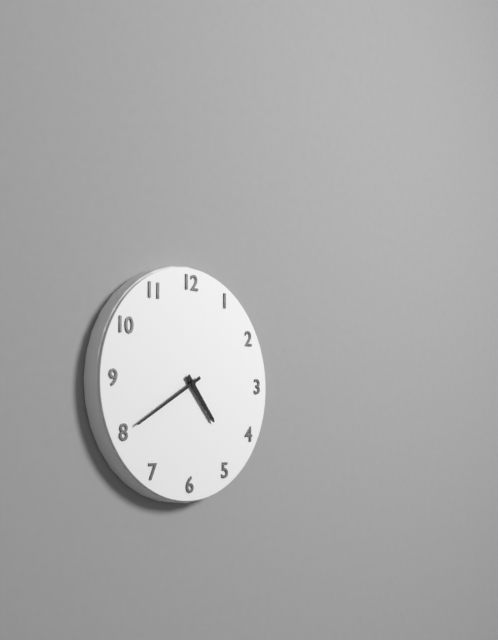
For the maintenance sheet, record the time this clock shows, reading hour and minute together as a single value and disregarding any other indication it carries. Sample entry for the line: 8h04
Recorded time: 4h40
